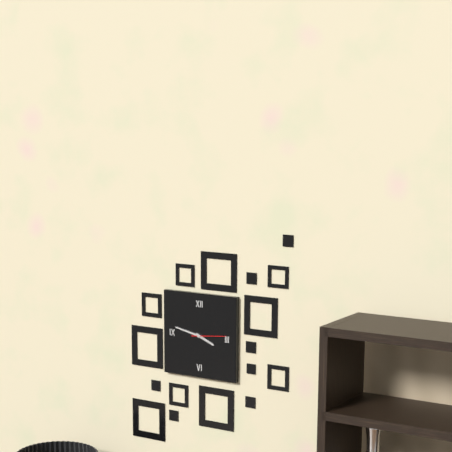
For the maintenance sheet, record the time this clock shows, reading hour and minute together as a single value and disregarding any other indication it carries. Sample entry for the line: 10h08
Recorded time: 3h47
